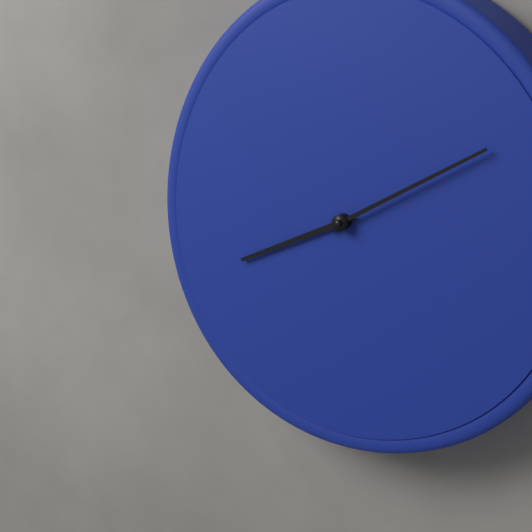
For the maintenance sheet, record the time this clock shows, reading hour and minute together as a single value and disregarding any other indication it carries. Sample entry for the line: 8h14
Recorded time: 8h10
